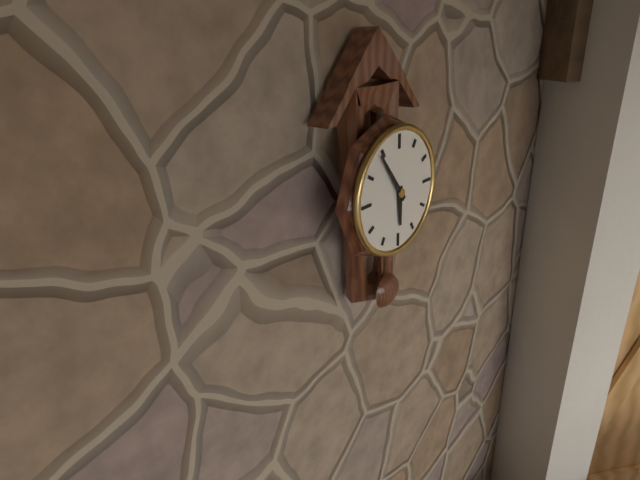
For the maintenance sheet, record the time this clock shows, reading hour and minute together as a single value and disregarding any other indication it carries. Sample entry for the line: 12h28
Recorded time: 5h54
